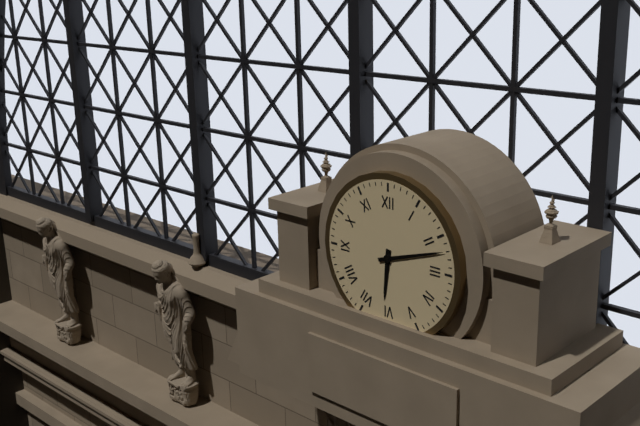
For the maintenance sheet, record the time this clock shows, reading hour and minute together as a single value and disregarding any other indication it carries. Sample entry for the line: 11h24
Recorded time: 6h12
